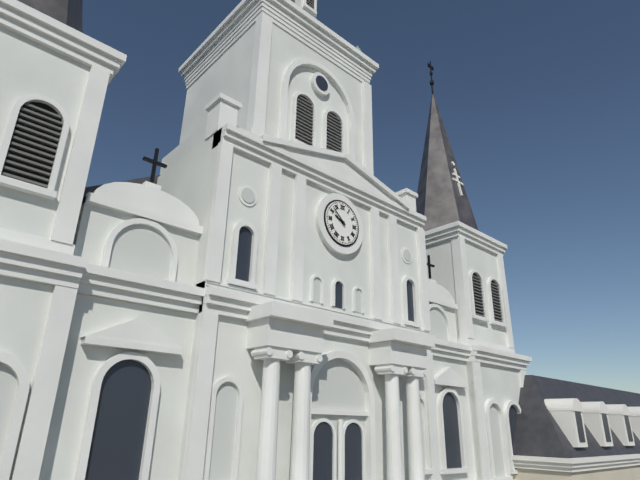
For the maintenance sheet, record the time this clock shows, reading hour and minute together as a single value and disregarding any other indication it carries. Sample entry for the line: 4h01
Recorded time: 9h52
